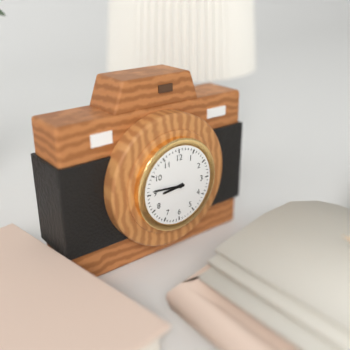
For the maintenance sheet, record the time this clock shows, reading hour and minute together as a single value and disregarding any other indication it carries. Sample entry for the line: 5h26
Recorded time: 8h46
